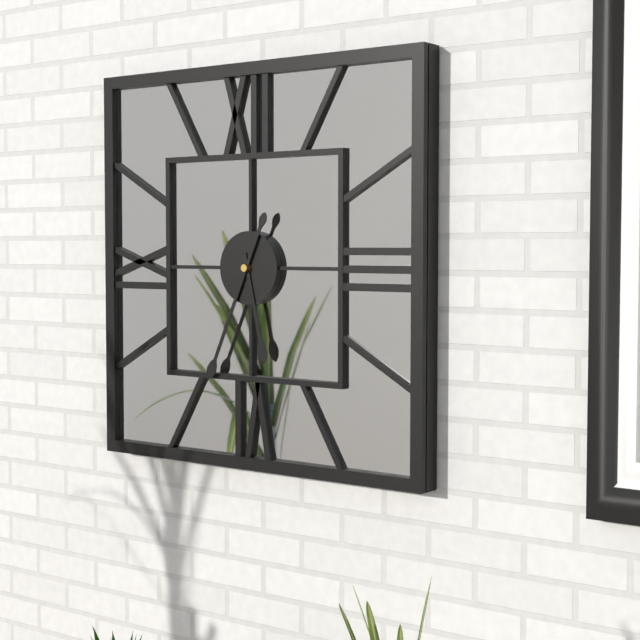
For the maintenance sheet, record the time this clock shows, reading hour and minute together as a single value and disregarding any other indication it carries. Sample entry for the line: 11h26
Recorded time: 5h34
